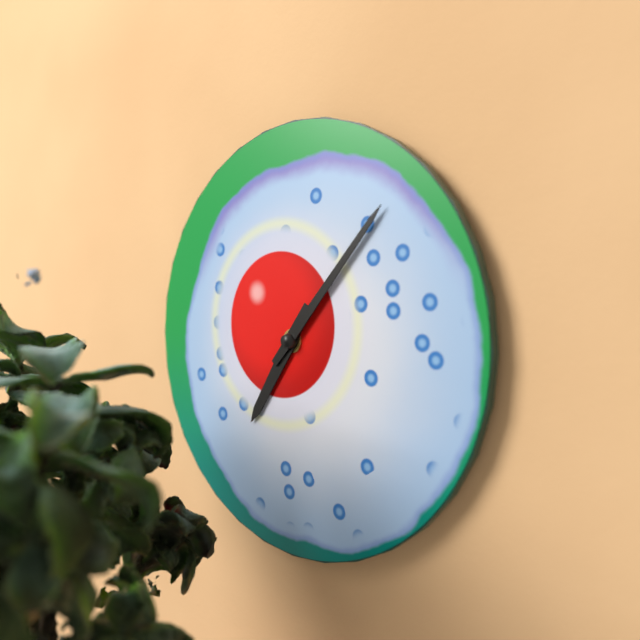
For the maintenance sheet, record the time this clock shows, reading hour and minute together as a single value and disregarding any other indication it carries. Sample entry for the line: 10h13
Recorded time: 7h07
